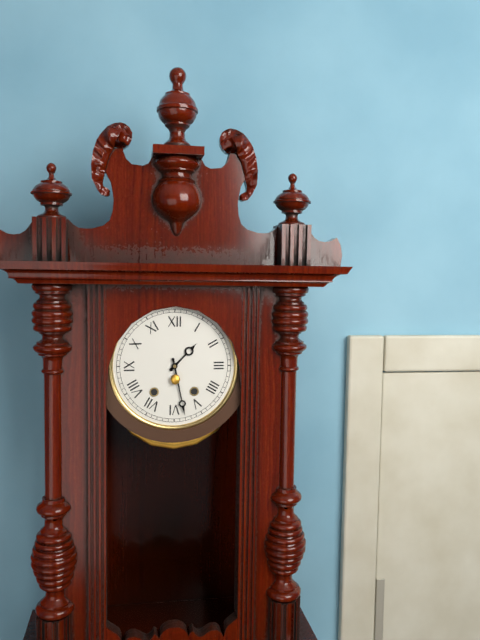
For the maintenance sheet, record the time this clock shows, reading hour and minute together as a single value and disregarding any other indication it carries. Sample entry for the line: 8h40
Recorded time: 1h28
